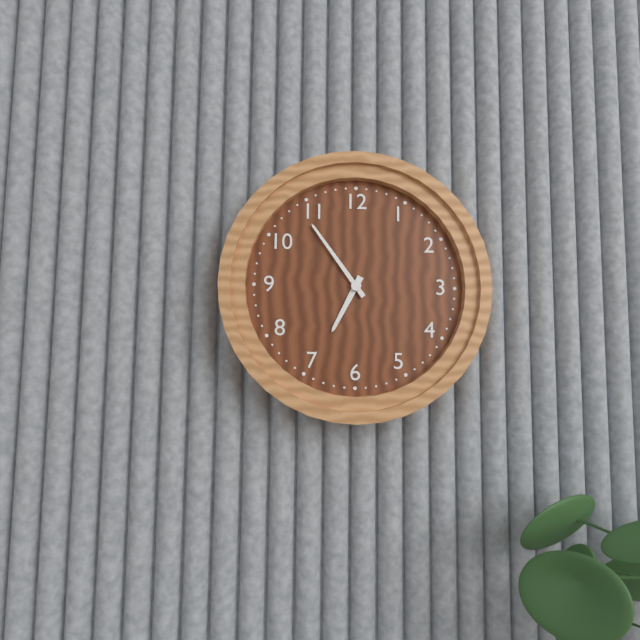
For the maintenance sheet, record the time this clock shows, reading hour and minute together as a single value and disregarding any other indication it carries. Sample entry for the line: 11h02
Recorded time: 6h54
